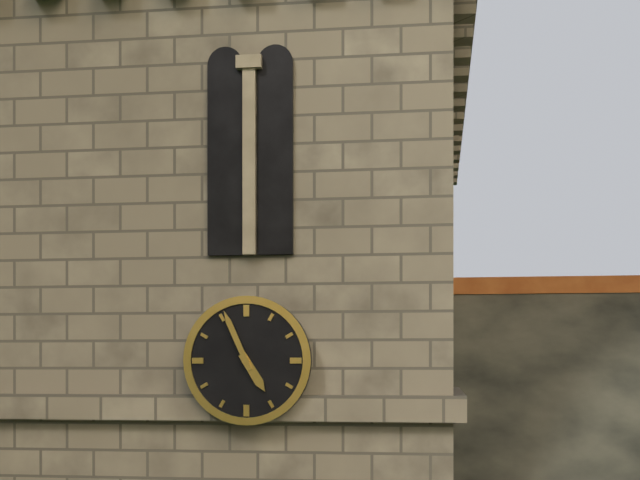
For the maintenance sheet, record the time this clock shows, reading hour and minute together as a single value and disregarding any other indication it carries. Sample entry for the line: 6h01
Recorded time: 4h56
